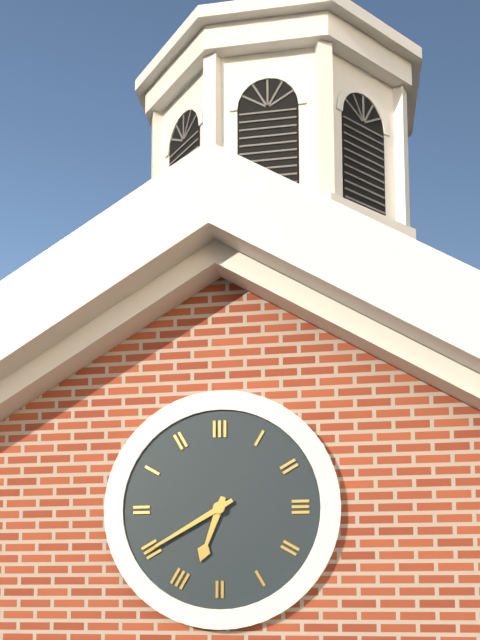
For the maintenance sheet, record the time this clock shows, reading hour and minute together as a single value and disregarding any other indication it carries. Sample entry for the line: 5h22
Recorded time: 6h40
